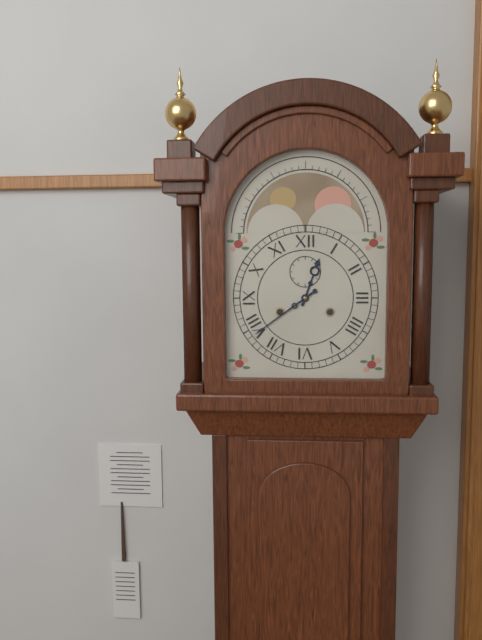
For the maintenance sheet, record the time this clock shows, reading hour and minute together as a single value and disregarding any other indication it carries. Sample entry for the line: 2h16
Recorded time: 12h39
